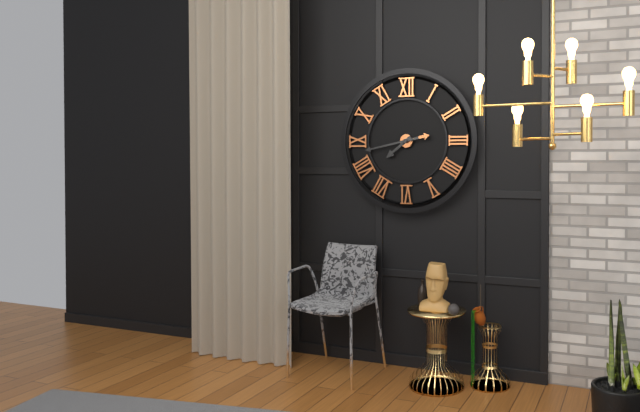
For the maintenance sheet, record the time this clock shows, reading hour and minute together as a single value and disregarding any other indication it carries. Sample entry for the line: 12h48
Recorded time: 7h43
